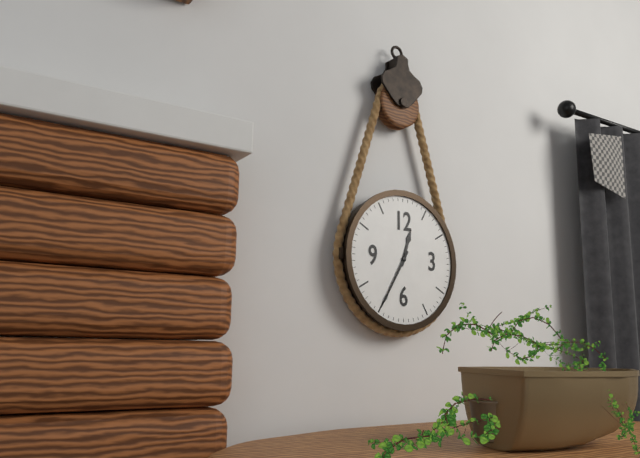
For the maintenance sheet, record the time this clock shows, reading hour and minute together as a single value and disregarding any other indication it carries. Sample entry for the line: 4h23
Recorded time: 12h35
